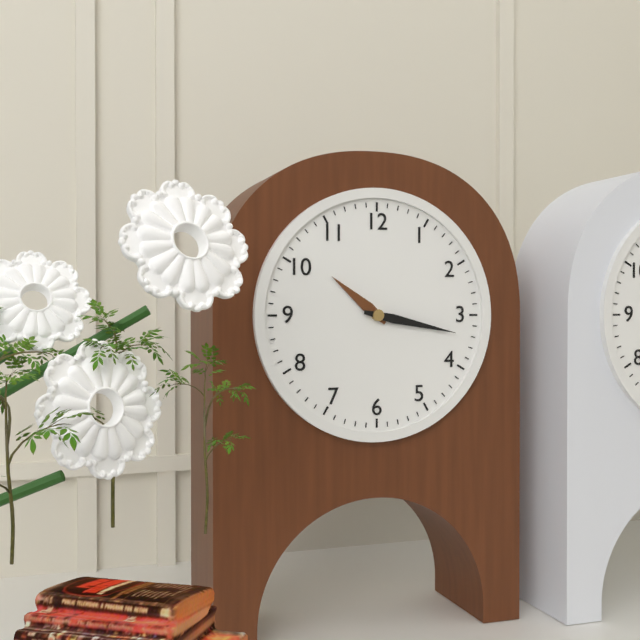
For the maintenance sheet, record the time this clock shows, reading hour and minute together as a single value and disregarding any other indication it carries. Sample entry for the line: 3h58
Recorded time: 10h17
